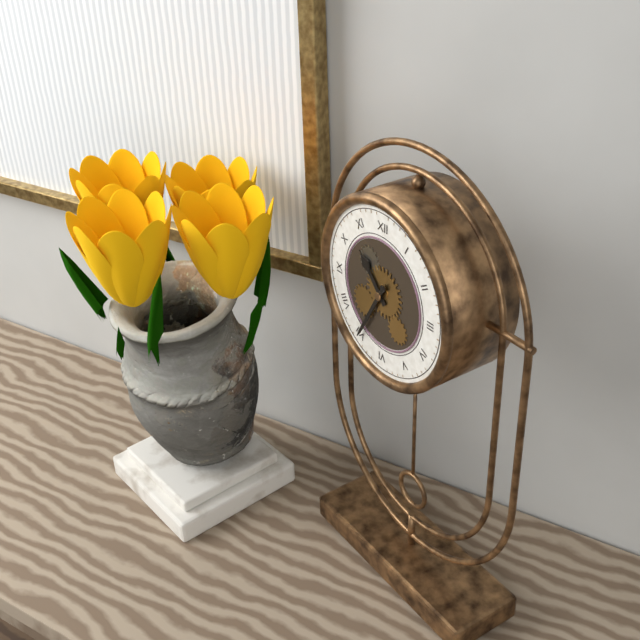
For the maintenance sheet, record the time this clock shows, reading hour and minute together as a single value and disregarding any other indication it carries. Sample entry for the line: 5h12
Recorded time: 10h35
